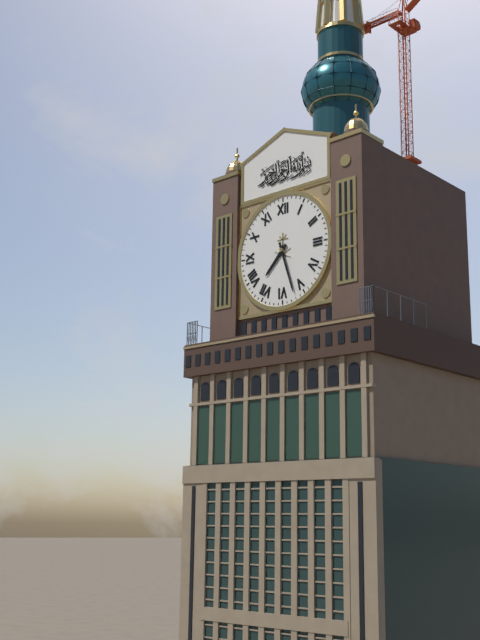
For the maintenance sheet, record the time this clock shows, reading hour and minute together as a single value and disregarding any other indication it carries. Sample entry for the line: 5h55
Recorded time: 7h27
